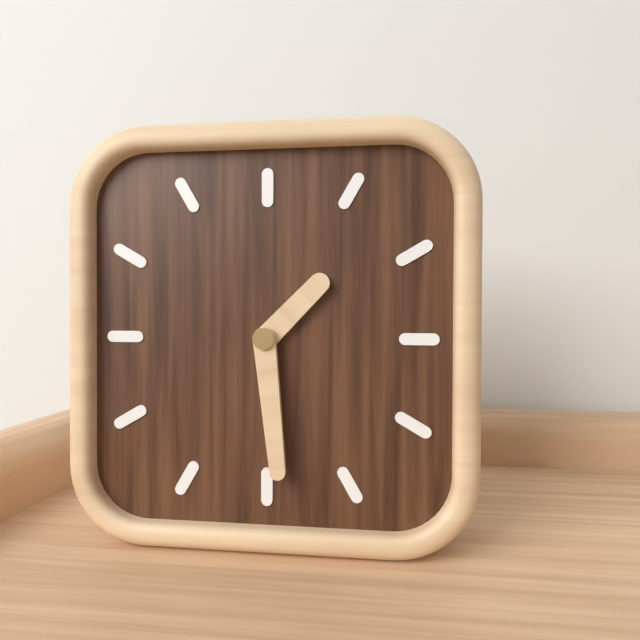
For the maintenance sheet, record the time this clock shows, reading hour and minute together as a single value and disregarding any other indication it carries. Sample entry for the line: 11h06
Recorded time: 1h29
